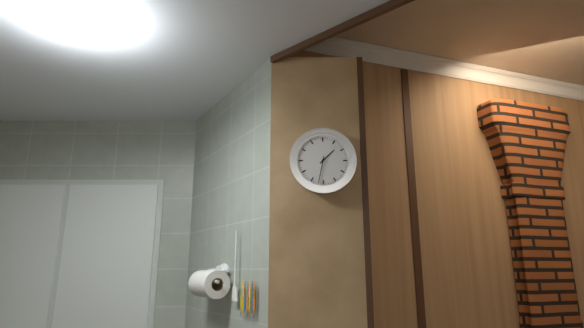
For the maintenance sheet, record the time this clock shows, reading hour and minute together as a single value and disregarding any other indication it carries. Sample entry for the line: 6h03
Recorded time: 1h32
